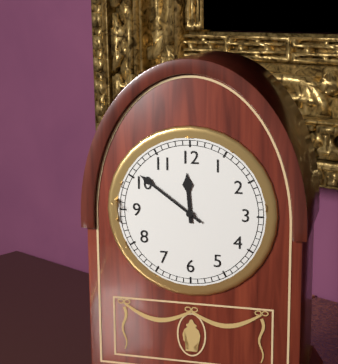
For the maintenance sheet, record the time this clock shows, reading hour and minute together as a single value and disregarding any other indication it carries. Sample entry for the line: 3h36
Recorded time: 11h51
